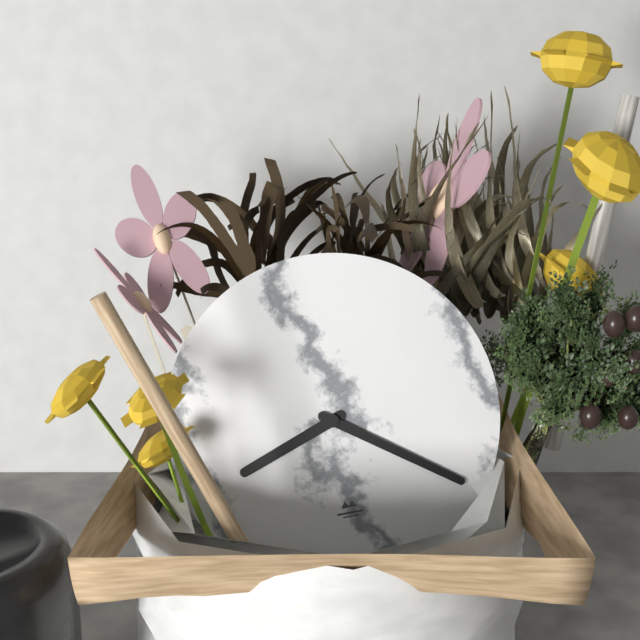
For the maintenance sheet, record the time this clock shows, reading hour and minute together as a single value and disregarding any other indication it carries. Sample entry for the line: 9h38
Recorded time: 8h21
